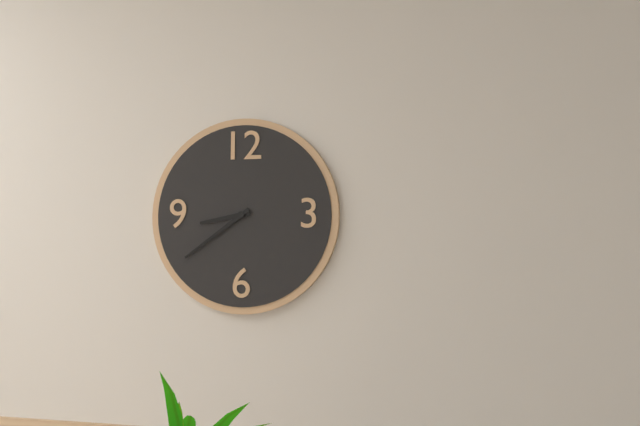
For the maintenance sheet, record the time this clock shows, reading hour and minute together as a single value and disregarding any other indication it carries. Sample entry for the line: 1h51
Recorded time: 8h39
